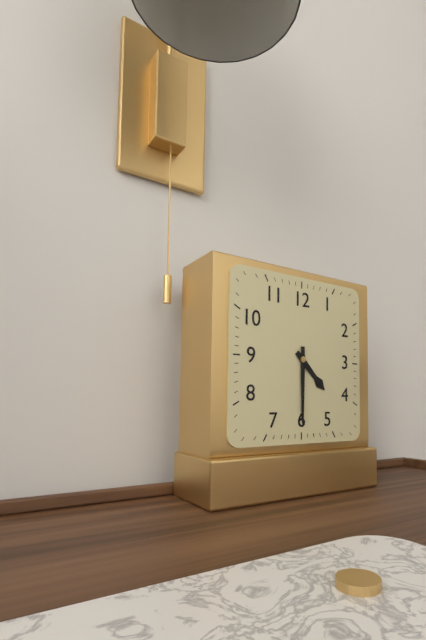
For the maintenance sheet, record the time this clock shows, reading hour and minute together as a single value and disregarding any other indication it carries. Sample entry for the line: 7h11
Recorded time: 4h30
